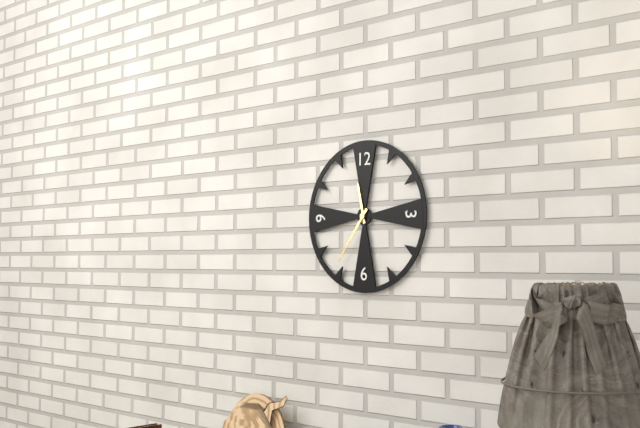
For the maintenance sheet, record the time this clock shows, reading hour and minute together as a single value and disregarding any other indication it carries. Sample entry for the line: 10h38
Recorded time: 11h36
